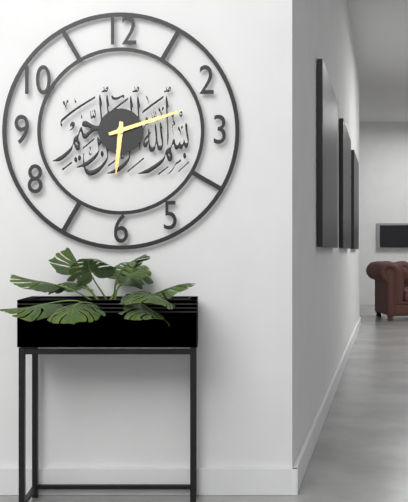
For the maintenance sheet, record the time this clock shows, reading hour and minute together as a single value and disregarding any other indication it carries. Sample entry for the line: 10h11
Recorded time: 6h12
